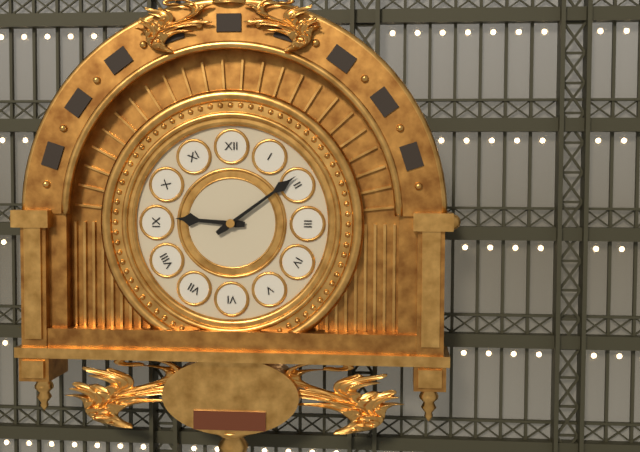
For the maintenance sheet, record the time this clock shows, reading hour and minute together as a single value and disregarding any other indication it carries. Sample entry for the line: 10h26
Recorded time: 9h09
